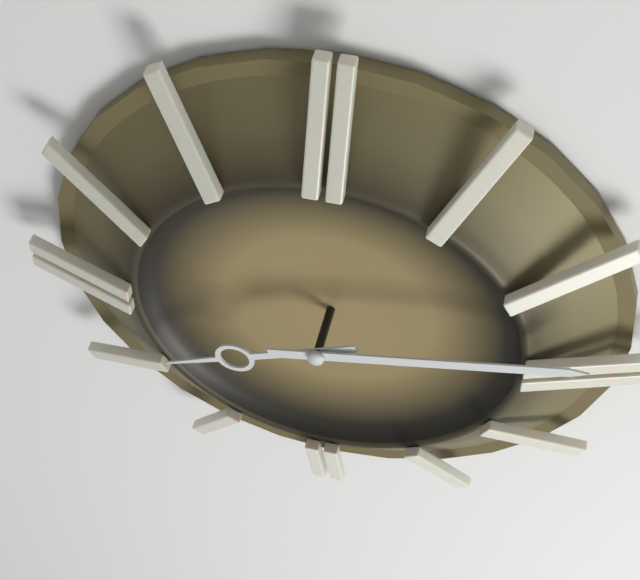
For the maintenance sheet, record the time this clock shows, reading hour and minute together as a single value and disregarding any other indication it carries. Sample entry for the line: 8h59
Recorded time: 8h13
